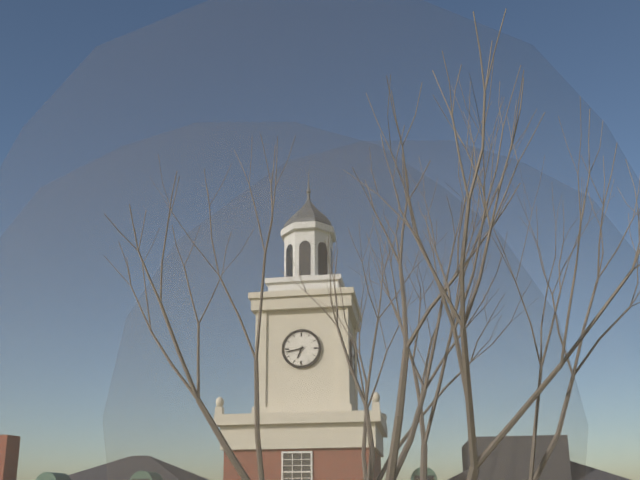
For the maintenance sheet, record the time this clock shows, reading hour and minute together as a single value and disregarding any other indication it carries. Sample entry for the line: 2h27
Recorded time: 6h43
